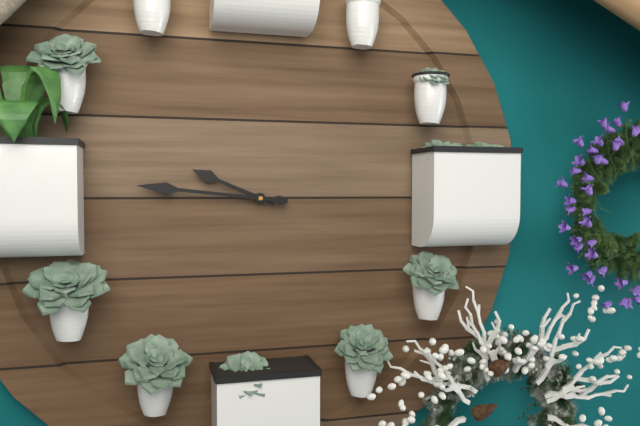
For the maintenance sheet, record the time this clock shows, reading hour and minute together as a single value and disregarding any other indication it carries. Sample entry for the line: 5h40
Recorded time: 9h46
